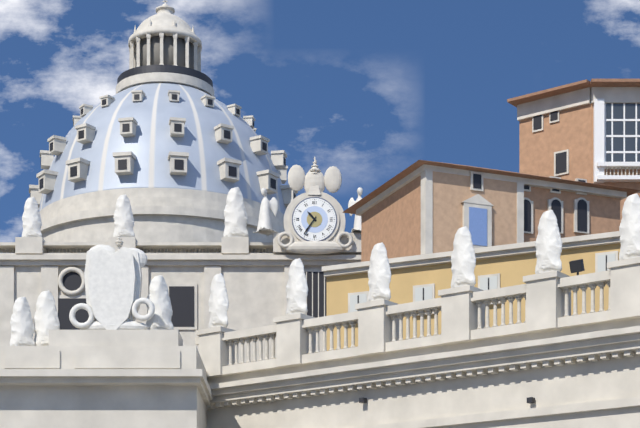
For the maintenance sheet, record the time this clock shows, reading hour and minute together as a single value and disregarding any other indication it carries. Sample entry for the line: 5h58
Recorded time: 10h36
